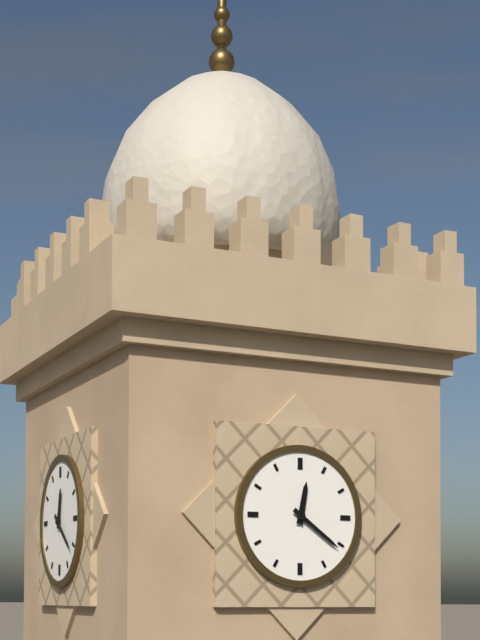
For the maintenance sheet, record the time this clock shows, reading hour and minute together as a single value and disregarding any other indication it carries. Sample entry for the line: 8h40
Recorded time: 12h21
